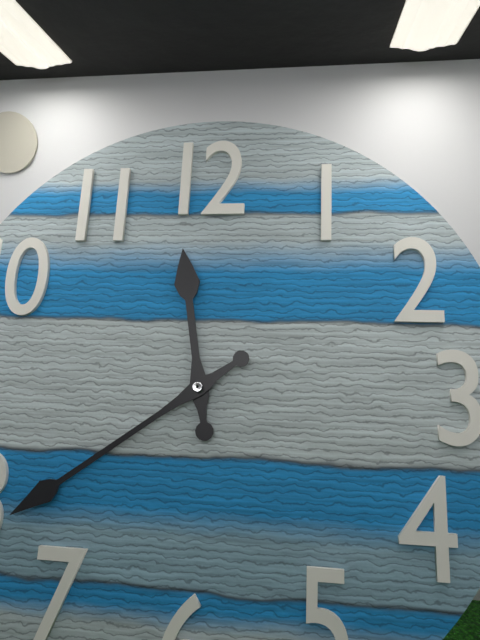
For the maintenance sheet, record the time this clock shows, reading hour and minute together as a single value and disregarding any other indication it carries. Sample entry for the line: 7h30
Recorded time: 11h39
